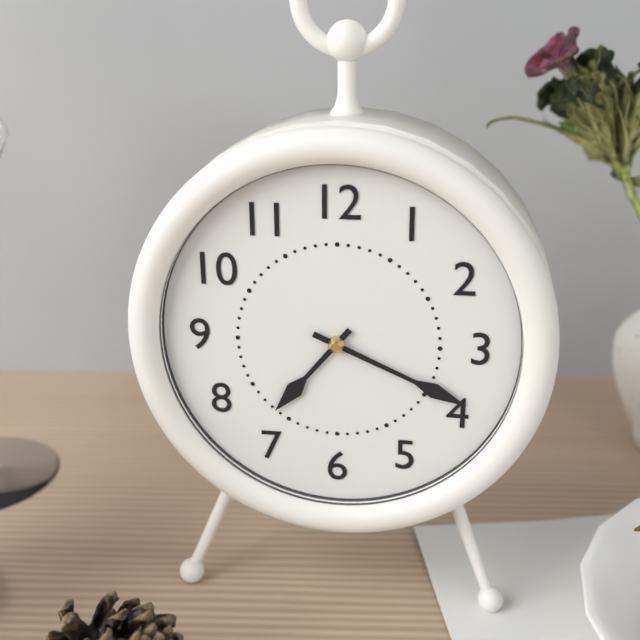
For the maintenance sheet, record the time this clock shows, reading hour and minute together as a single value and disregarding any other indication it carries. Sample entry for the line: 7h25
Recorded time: 7h19
